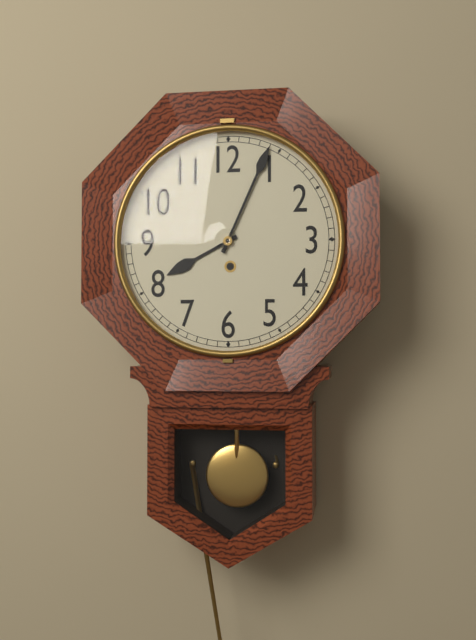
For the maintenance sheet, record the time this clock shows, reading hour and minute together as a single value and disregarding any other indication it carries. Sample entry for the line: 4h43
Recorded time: 8h04
